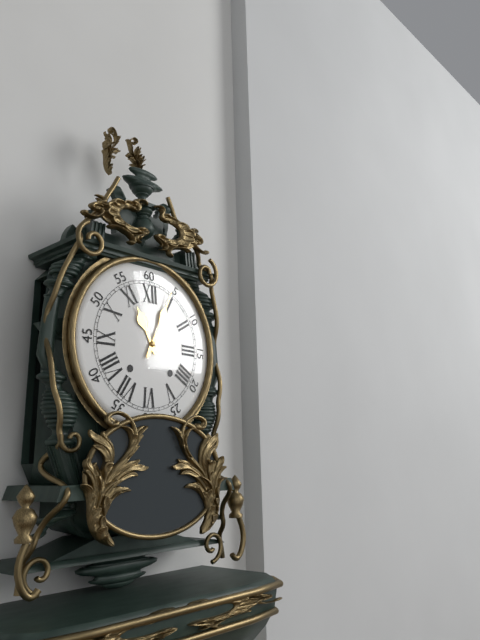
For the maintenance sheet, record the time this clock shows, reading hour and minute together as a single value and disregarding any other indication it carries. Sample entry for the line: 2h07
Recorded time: 11h04
